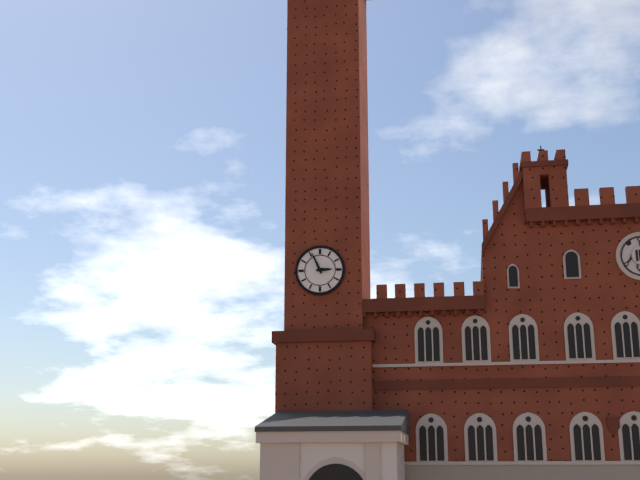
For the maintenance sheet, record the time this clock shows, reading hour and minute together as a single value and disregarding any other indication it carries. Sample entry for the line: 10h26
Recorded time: 2h56
